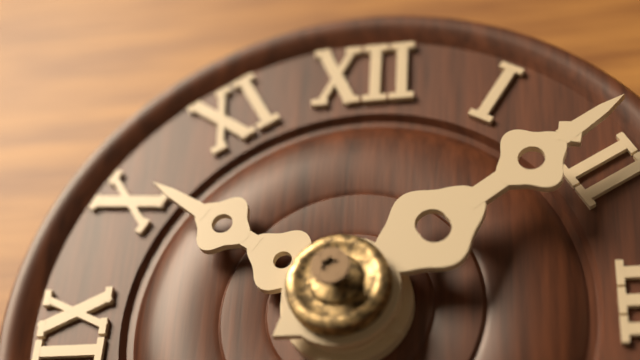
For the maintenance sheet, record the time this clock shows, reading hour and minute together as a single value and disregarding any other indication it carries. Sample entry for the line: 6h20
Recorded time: 10h09
